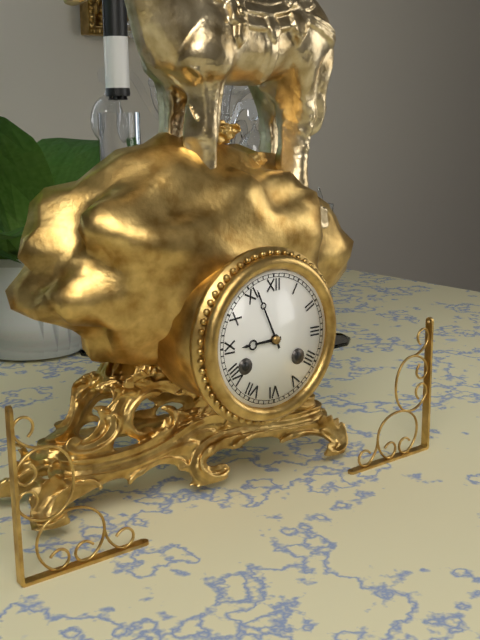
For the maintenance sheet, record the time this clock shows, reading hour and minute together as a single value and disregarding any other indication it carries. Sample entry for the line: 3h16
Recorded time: 8h56
